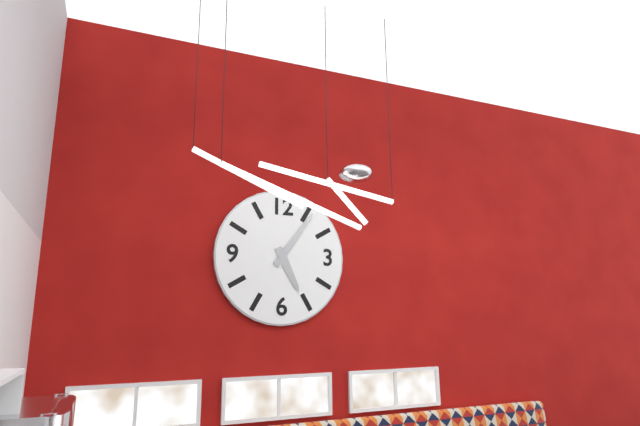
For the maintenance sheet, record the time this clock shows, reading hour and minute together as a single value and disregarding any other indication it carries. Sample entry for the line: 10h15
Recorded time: 5h06
